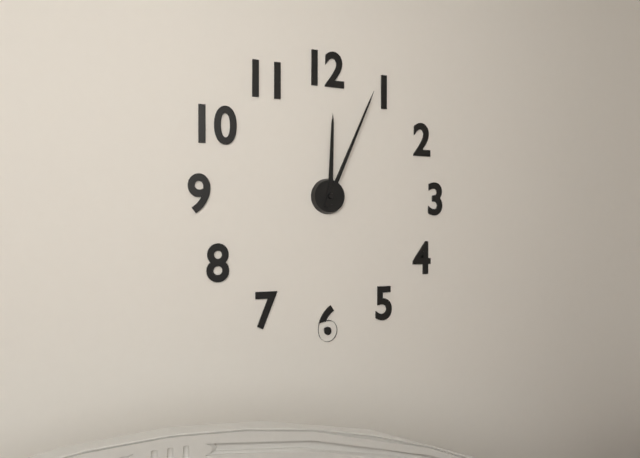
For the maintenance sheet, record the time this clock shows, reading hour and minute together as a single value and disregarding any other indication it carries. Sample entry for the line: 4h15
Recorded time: 12h04
